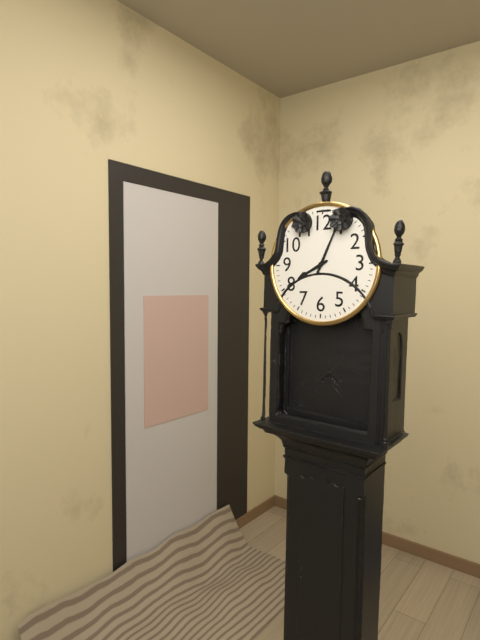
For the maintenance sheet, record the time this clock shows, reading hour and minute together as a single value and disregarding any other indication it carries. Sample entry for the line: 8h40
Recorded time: 8h04
